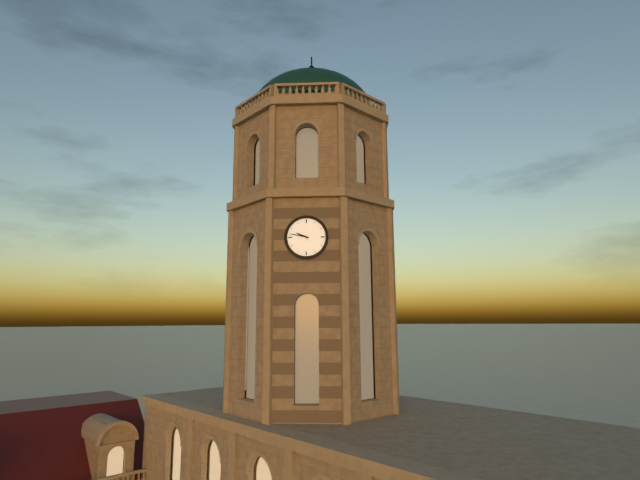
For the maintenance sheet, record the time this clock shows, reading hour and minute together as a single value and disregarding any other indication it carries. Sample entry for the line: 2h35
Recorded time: 9h47
